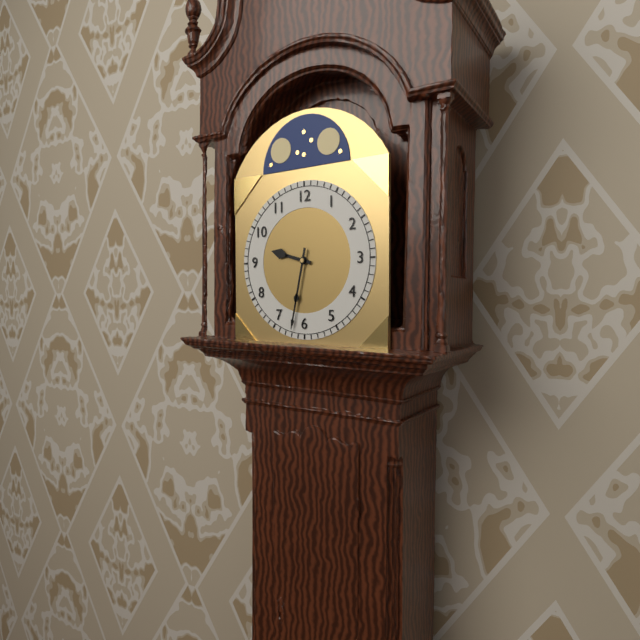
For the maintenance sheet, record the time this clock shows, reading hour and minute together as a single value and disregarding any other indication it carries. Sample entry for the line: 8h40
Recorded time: 9h32
